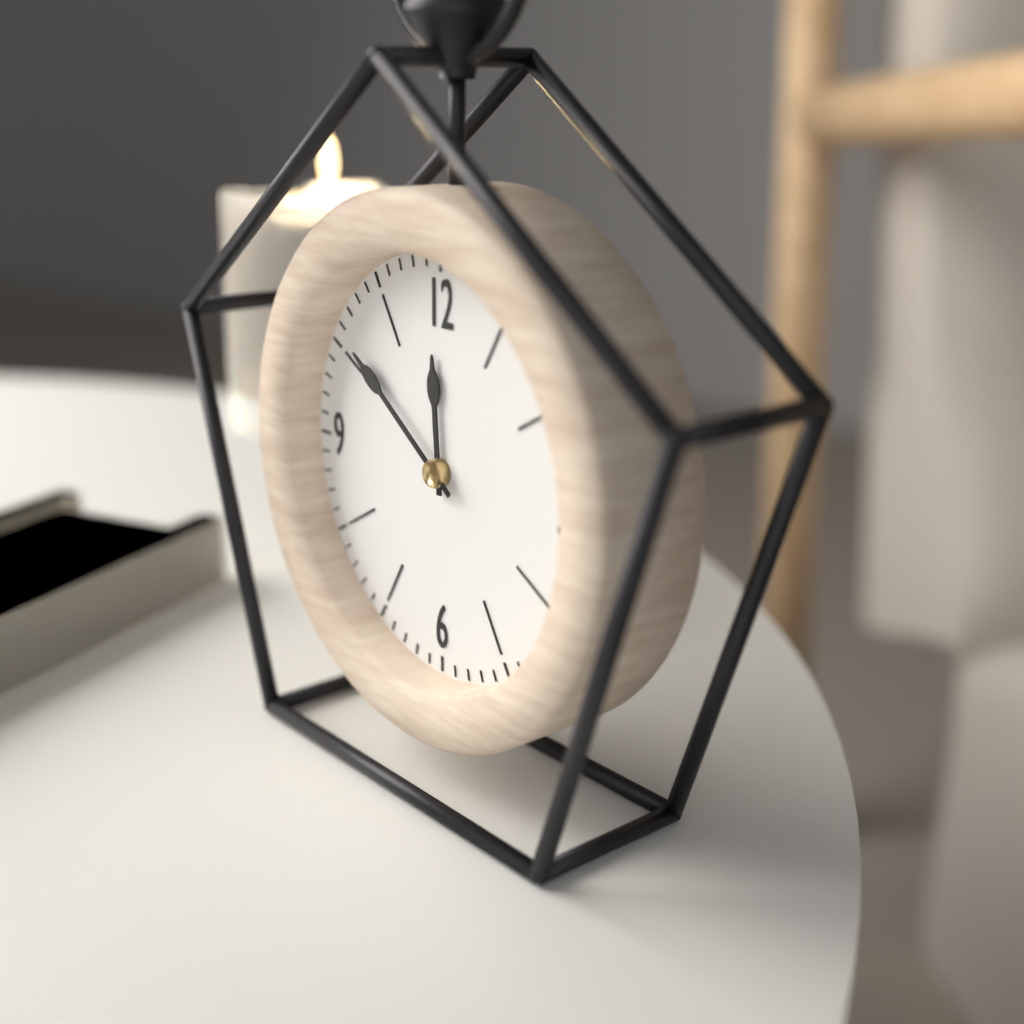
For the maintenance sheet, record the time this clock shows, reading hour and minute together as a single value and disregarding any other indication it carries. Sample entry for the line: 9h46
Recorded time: 11h51
